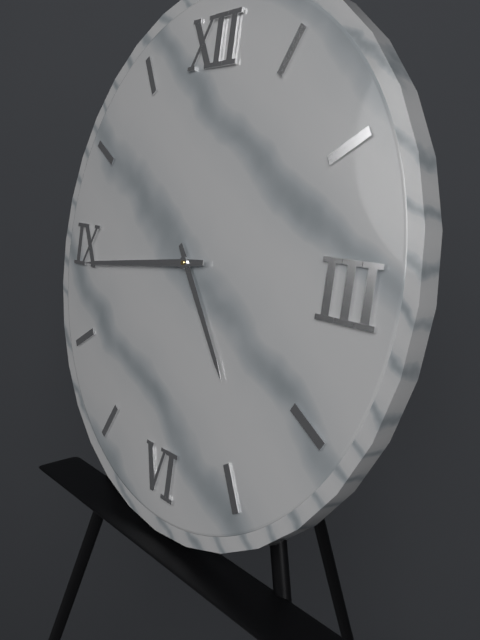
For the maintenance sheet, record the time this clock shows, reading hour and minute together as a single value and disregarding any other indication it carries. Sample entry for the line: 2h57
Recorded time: 4h44
